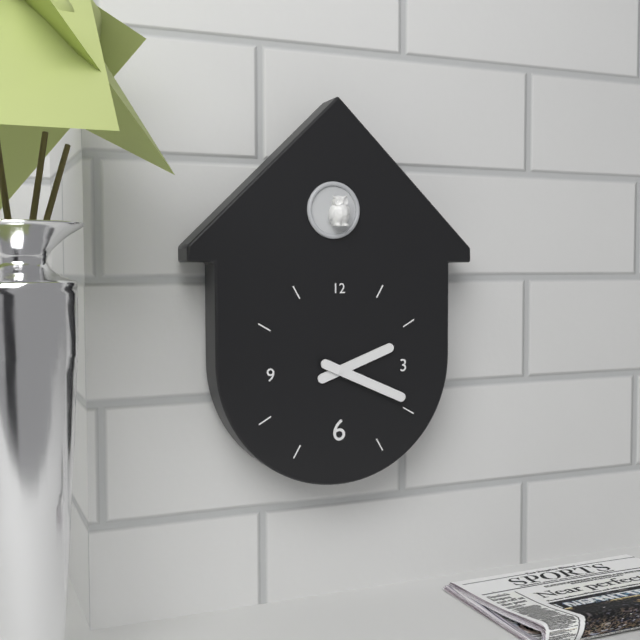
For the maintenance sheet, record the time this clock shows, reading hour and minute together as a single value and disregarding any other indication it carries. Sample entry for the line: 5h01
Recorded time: 2h19
